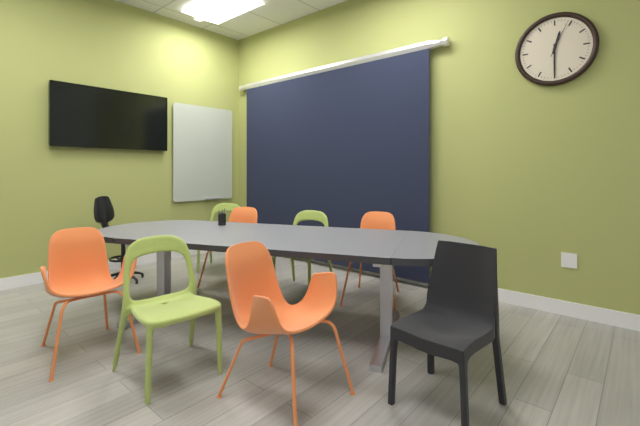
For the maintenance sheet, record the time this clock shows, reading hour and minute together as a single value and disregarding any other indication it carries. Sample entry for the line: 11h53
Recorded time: 12h30
